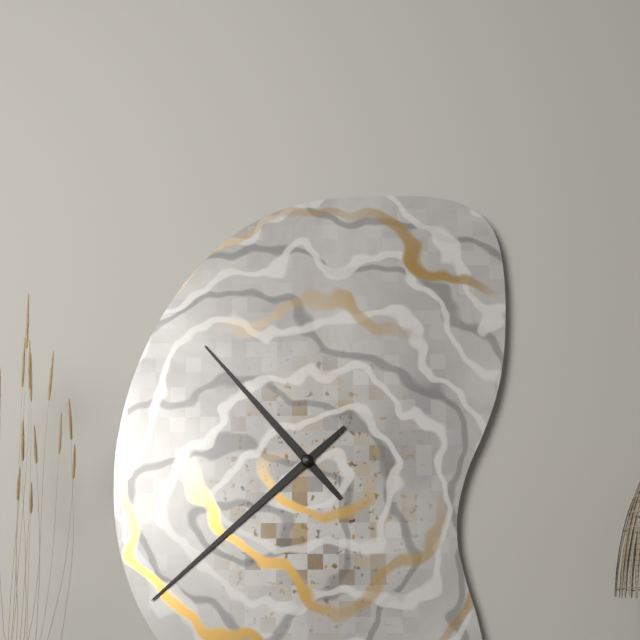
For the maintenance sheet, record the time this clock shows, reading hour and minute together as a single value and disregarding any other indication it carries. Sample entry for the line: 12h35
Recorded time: 10h38
